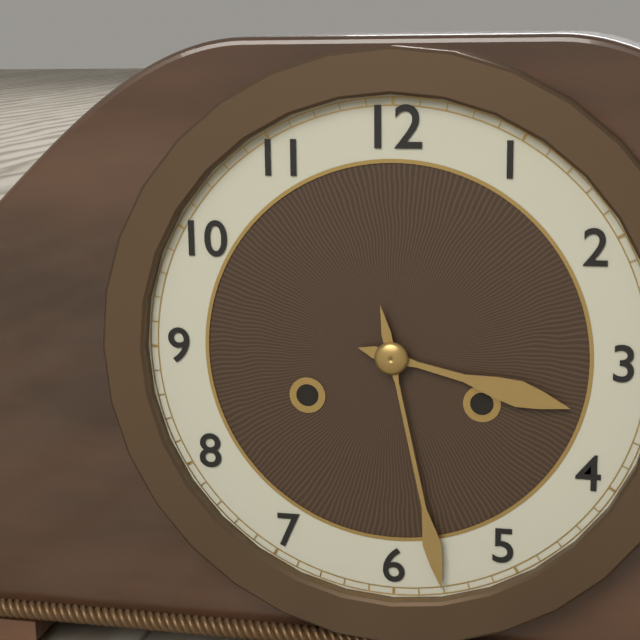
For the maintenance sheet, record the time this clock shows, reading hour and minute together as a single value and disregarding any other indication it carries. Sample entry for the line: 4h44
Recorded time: 3h28
